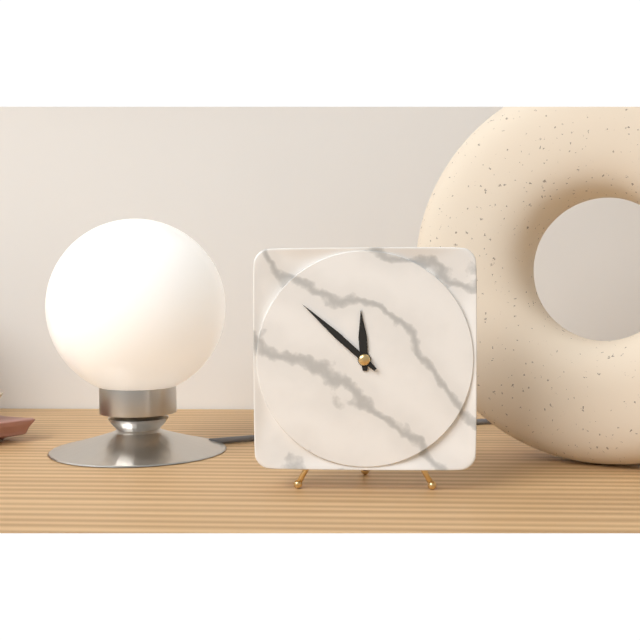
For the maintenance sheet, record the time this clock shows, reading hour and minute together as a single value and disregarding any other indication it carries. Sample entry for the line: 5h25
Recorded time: 11h52
